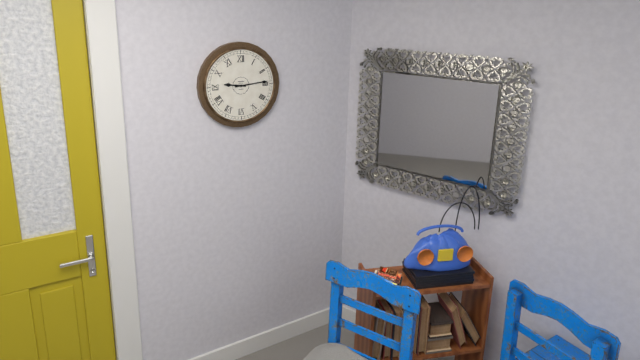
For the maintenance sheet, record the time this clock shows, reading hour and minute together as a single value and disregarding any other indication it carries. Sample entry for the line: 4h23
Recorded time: 9h14
